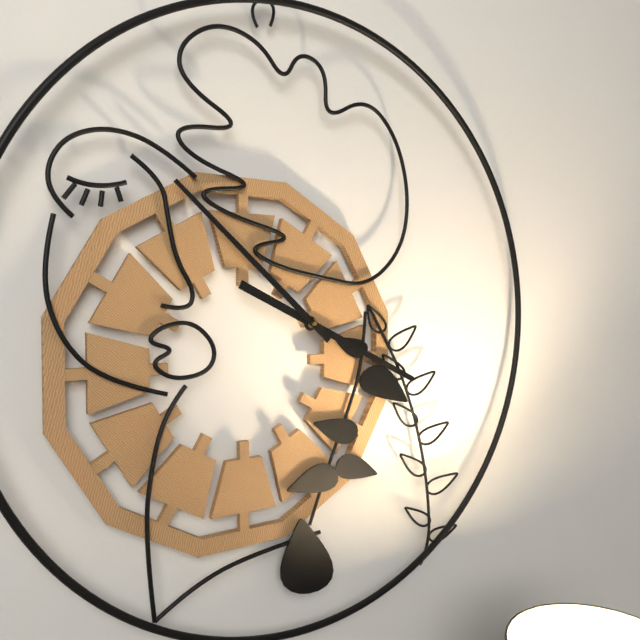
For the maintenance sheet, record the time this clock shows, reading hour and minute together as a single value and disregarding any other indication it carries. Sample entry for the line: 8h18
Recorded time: 3h52
